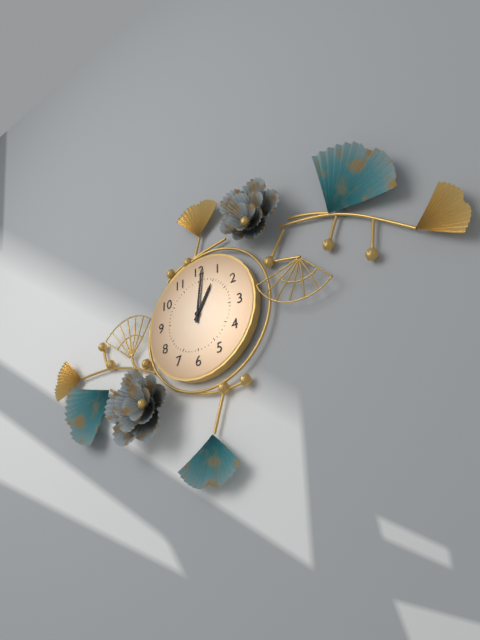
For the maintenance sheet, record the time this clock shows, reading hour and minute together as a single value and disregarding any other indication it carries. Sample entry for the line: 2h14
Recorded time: 1h01
